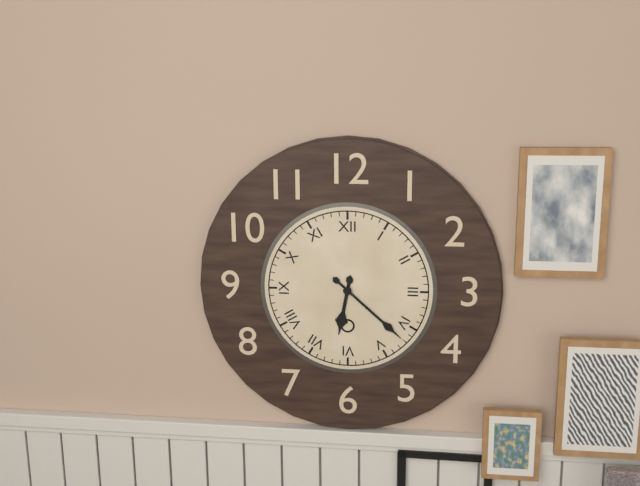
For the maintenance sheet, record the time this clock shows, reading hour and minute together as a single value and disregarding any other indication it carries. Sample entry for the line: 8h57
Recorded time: 6h22
